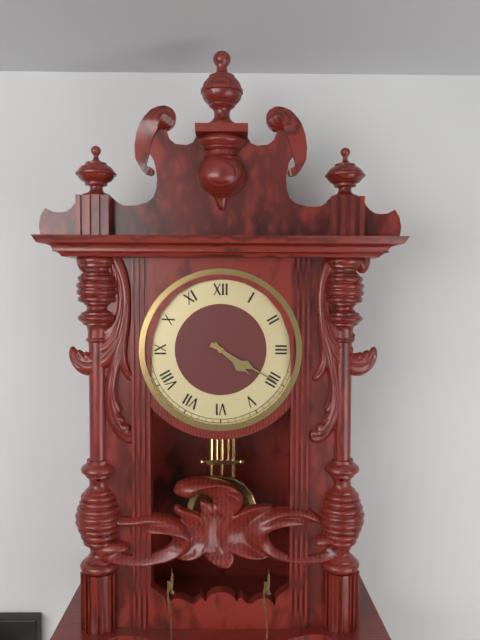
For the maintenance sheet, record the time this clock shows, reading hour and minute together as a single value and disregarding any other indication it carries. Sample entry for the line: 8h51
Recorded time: 4h20
